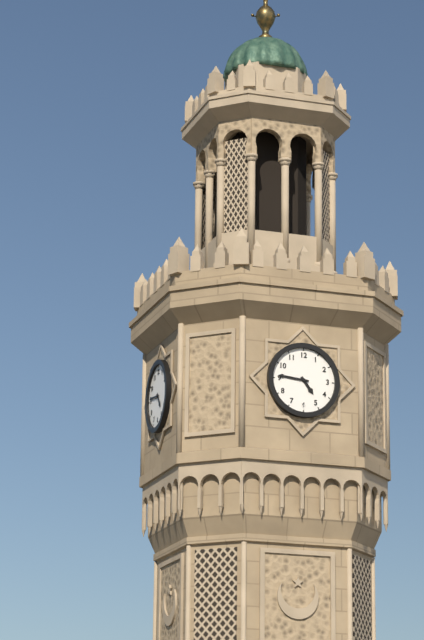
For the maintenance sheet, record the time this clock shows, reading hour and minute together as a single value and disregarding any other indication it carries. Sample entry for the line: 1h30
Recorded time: 4h46
